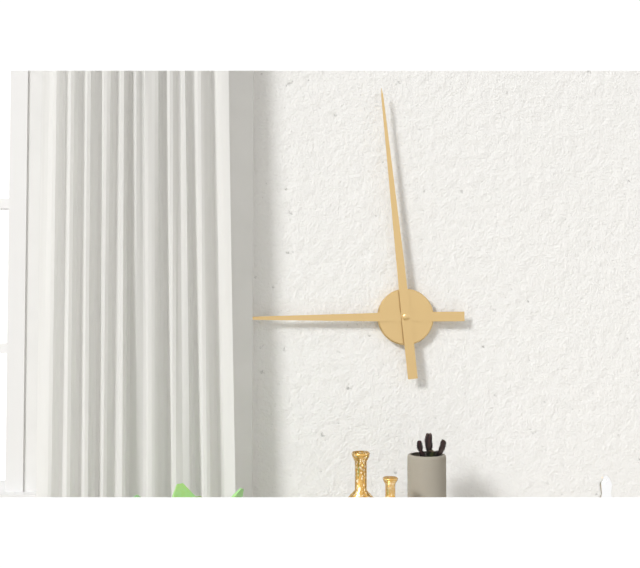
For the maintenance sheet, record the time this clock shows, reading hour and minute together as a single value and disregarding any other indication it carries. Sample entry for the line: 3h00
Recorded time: 8h59
